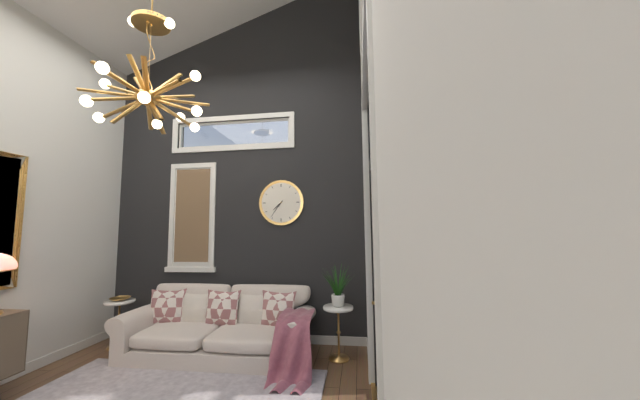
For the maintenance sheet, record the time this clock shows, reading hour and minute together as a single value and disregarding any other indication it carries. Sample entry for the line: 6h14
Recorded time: 7h36
